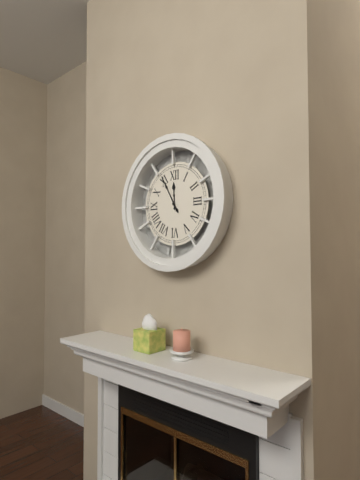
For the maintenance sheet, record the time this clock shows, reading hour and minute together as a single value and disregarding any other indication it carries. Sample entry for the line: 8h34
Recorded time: 11h55
